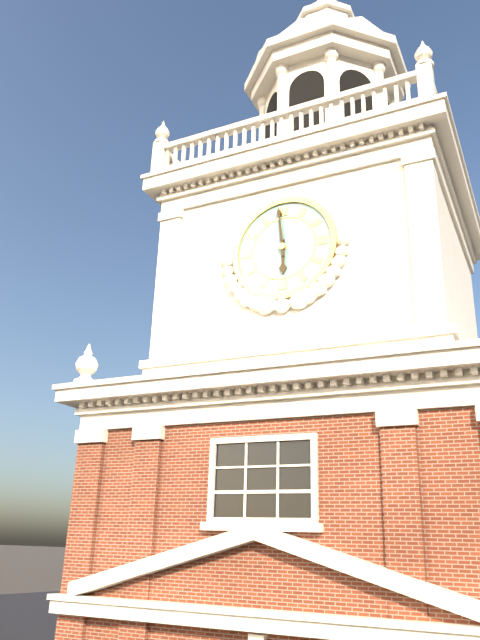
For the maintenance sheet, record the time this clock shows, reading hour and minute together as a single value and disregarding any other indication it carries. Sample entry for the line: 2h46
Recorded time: 5h59
